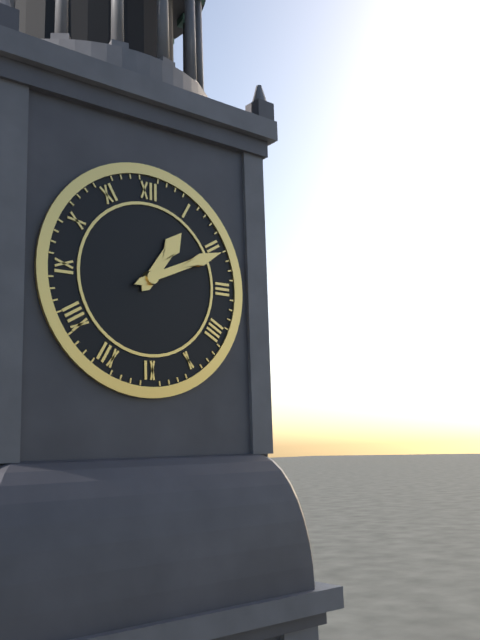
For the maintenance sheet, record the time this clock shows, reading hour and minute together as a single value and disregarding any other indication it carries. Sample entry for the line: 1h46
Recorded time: 1h11
